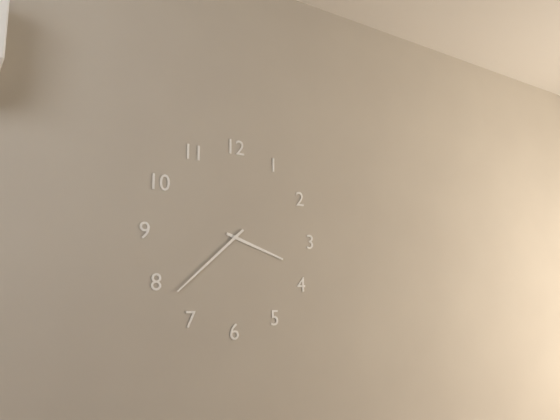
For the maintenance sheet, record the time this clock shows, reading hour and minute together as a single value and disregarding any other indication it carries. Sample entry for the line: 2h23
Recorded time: 3h38
